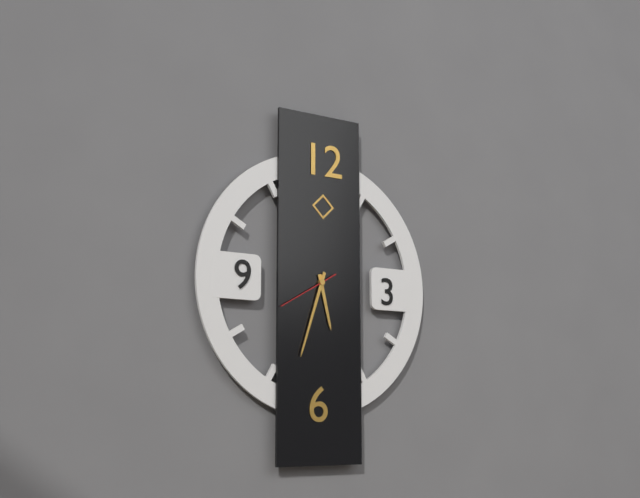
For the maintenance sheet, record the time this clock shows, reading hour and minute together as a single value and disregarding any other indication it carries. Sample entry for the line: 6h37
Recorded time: 5h33
